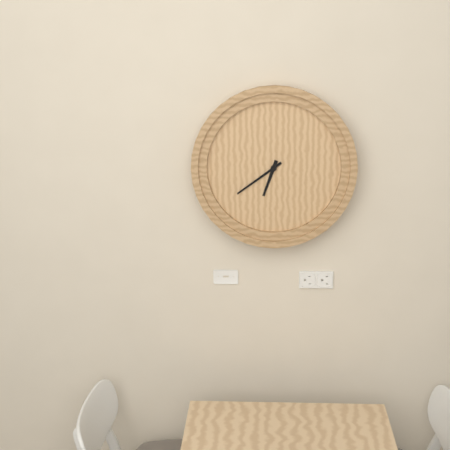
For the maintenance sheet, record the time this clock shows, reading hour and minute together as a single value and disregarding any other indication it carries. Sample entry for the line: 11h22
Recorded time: 6h39
